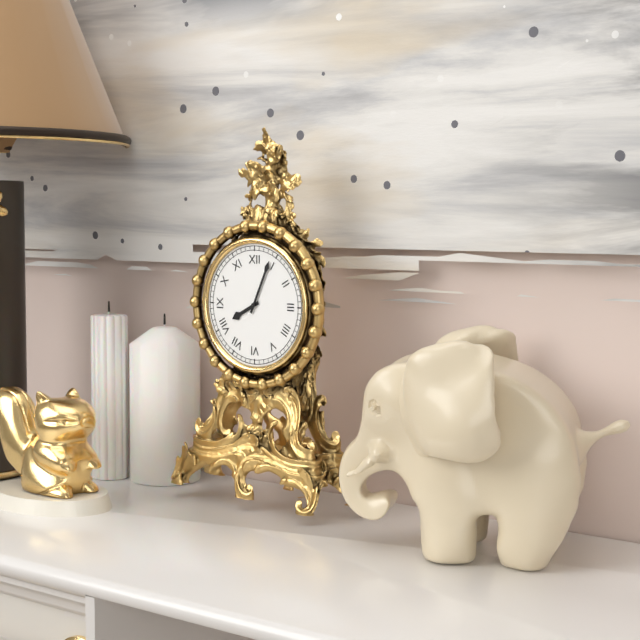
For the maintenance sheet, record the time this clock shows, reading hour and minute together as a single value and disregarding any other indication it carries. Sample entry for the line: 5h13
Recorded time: 8h04
